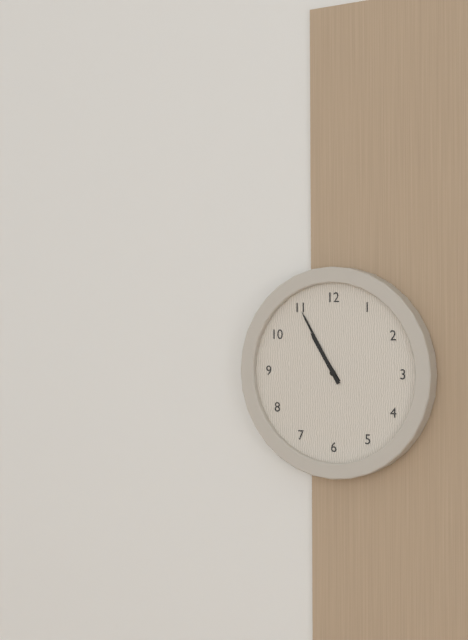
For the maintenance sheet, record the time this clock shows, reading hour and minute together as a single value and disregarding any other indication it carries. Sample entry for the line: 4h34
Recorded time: 10h55
